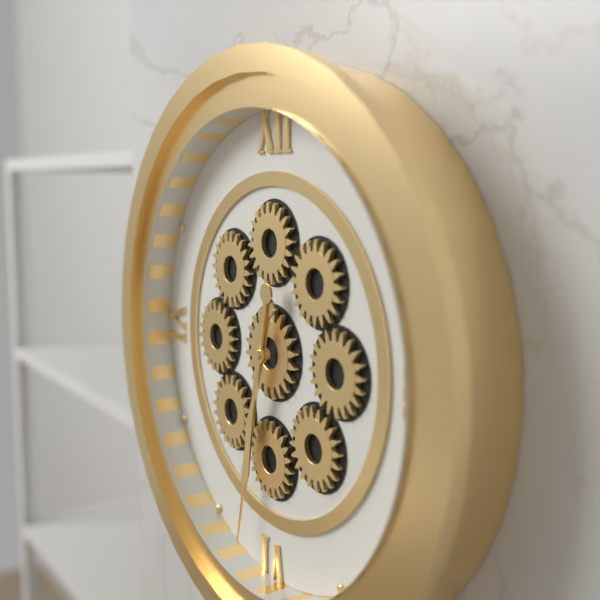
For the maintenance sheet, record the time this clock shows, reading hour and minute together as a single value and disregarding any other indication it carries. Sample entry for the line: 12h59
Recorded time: 6h32
